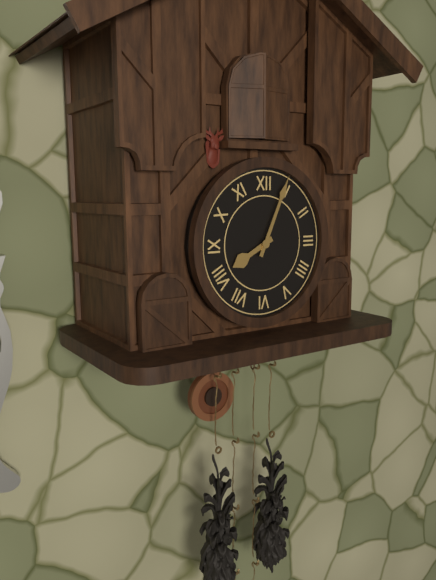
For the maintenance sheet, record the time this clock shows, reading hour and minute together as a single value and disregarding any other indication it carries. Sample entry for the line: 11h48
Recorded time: 8h04
